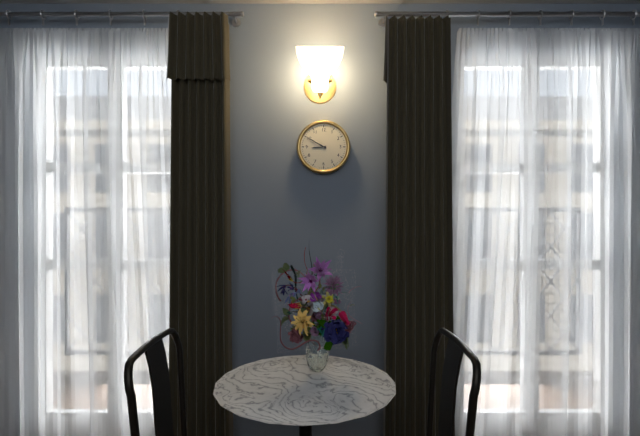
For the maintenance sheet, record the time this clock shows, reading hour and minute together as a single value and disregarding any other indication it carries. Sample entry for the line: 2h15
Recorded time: 8h50
